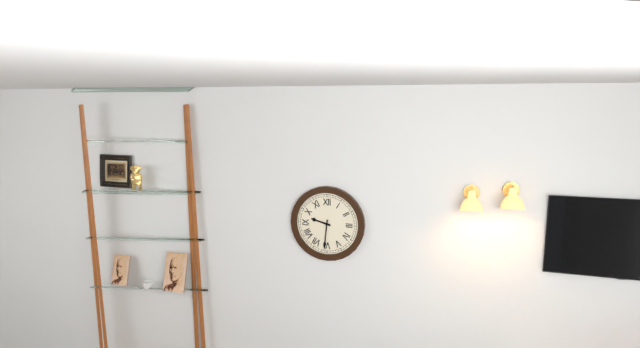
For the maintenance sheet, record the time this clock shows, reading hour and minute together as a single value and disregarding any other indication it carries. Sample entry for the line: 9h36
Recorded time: 9h31
